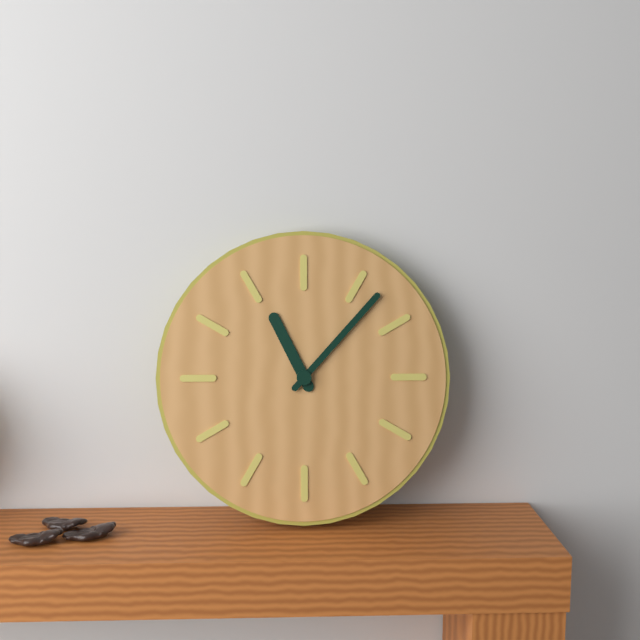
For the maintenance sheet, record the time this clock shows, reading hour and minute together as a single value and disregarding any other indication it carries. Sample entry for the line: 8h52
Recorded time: 11h07
